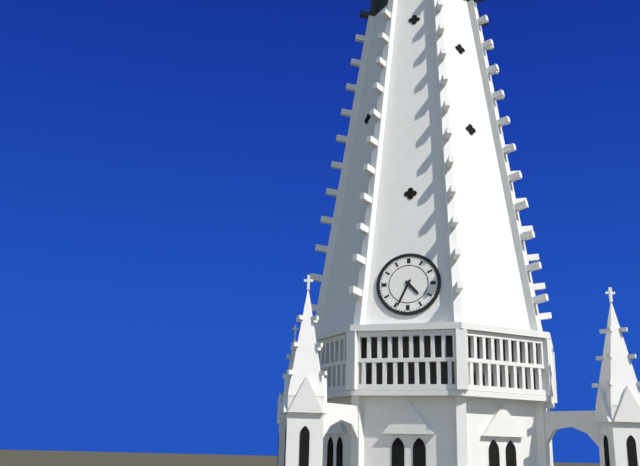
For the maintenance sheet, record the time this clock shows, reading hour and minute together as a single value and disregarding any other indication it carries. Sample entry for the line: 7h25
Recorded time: 4h34
